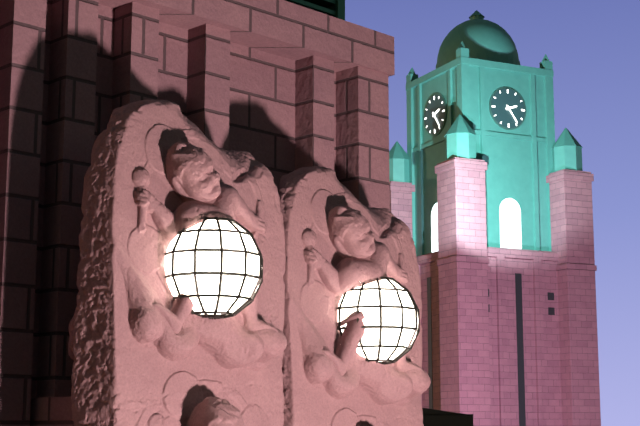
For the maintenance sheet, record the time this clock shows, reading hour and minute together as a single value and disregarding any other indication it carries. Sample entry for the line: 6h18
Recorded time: 2h24
